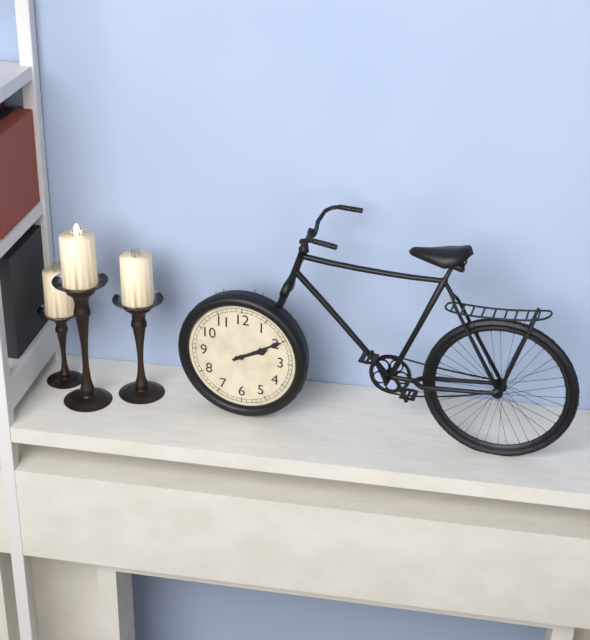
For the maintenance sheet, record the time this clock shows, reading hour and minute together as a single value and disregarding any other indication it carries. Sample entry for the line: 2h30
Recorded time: 2h10
